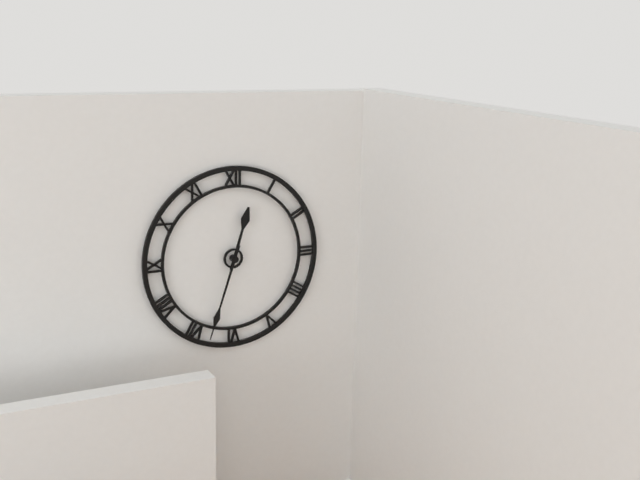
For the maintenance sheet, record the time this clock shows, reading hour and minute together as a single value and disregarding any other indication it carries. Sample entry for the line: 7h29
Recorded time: 12h33
